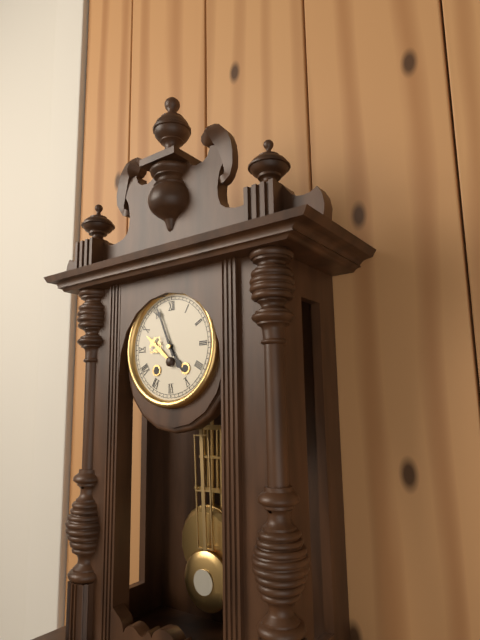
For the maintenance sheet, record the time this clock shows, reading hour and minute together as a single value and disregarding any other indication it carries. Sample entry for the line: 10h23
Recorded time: 4h56
